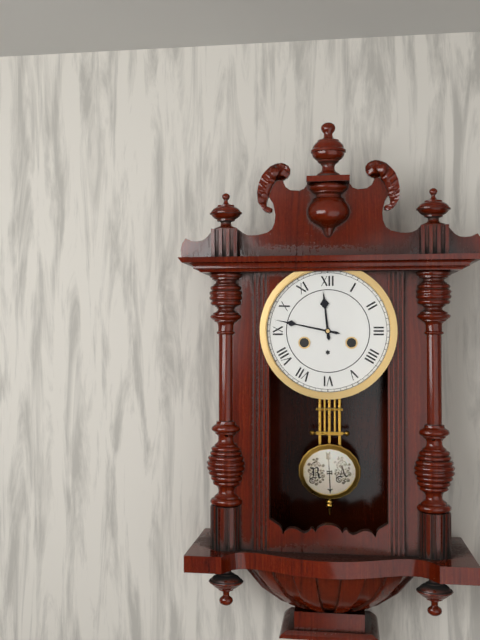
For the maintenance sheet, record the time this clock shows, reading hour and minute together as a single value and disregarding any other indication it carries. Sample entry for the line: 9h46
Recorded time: 11h47
